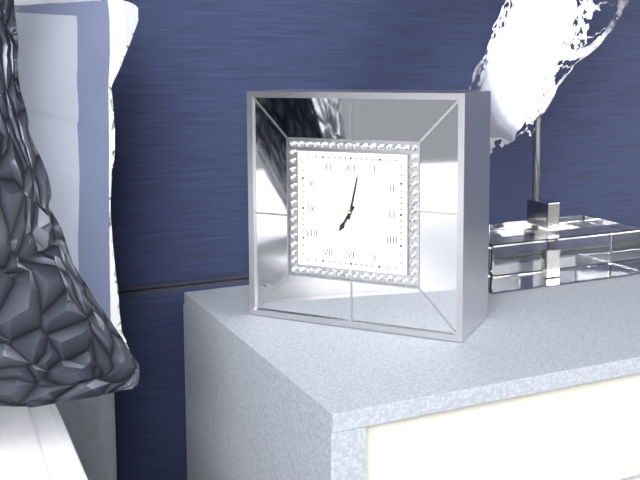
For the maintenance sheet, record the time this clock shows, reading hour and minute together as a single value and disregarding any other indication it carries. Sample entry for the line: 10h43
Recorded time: 7h02
